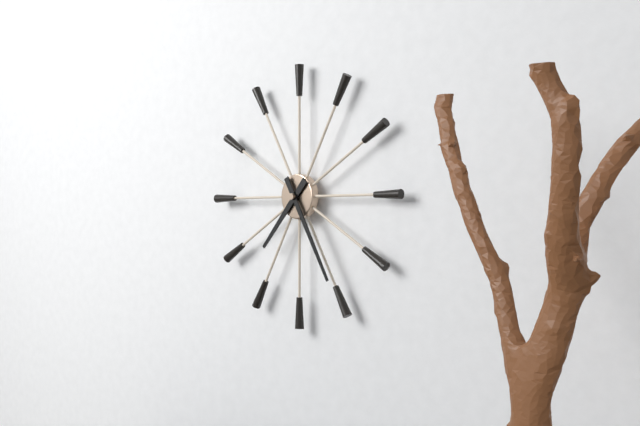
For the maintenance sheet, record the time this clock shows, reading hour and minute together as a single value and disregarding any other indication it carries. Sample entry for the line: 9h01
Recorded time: 7h25
